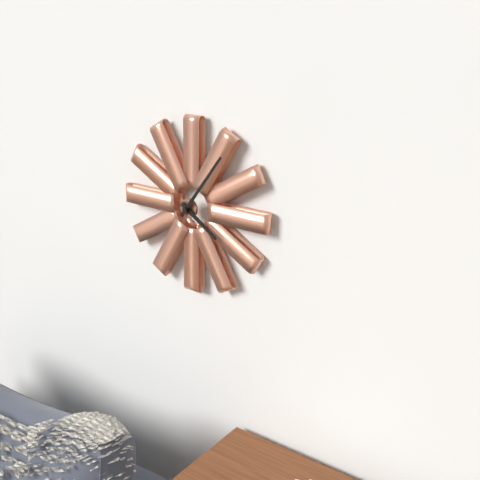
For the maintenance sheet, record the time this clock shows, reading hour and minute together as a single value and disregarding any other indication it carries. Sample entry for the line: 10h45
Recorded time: 4h06
